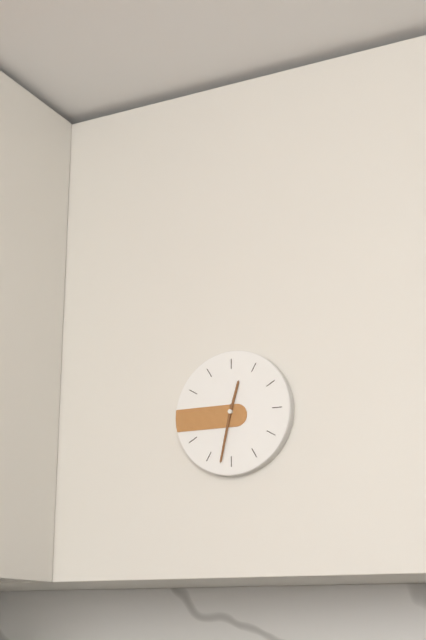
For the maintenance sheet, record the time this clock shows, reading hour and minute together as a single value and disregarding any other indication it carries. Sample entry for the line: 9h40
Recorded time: 12h32
